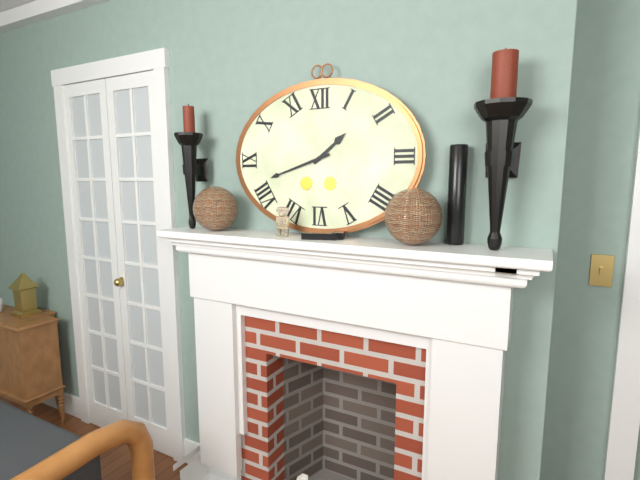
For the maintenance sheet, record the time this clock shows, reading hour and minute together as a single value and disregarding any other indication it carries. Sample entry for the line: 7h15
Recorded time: 1h42
